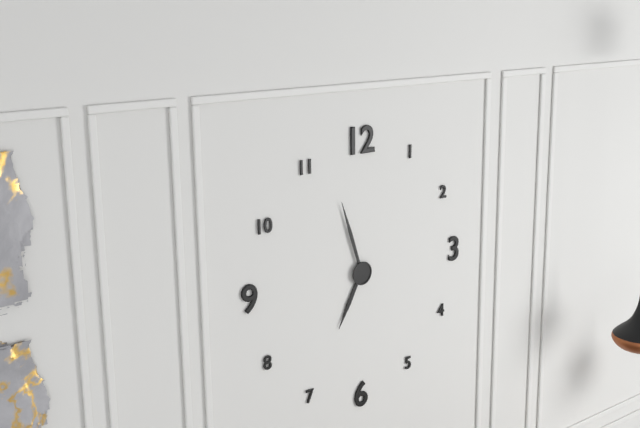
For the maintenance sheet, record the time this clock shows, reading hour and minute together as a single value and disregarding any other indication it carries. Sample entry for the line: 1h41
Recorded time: 6h57
